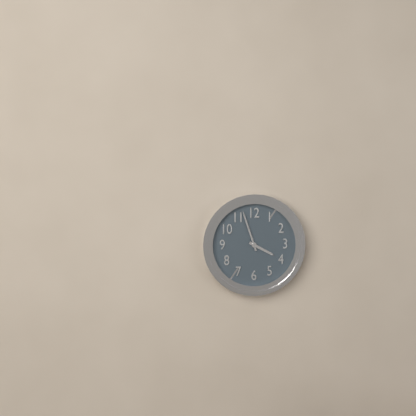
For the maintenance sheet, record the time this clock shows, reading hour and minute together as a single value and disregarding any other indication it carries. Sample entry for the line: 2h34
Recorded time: 3h57
